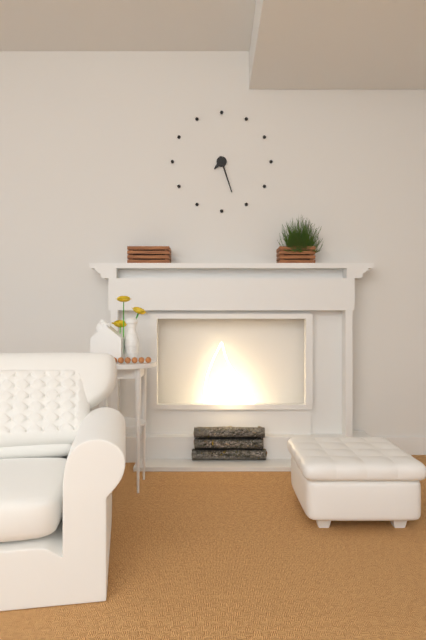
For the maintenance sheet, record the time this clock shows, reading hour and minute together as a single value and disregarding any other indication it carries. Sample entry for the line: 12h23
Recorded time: 7h27
